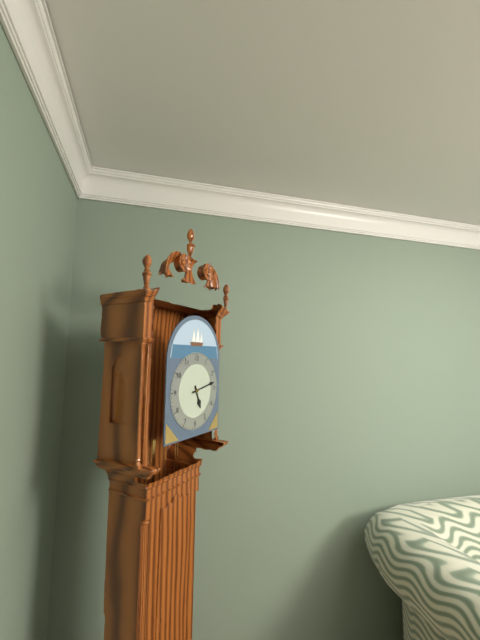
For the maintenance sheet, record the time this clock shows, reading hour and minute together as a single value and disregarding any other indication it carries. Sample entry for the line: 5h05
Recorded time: 5h13
